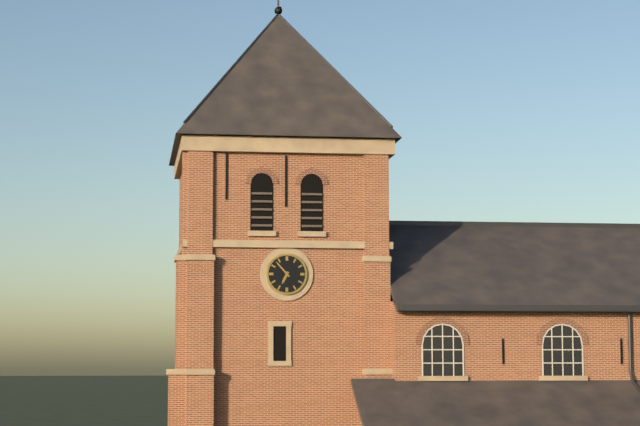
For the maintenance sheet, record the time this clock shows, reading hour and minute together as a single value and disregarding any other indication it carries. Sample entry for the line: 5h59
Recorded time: 6h53
